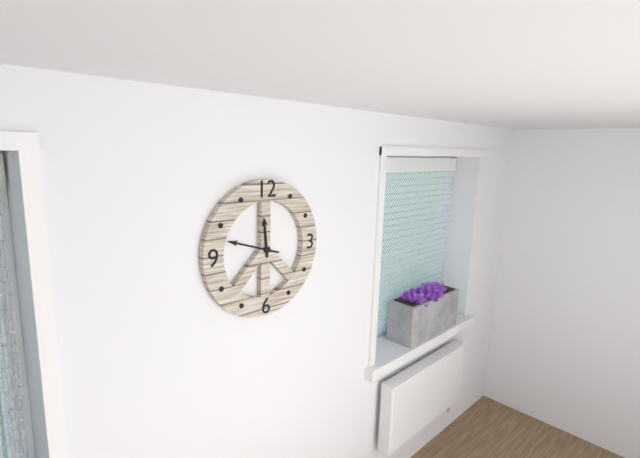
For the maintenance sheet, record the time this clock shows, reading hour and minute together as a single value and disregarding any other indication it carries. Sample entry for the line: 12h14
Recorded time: 11h48
